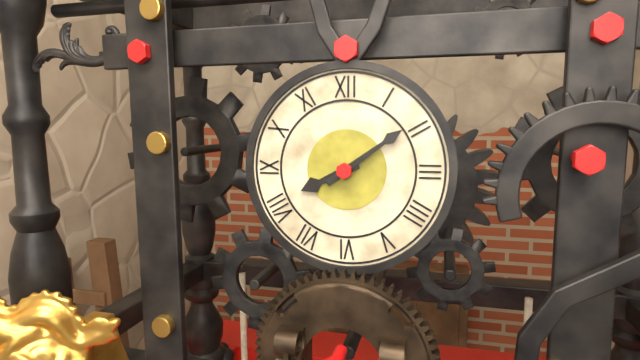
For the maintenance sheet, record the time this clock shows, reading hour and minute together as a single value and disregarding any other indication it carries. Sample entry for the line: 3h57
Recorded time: 8h09
